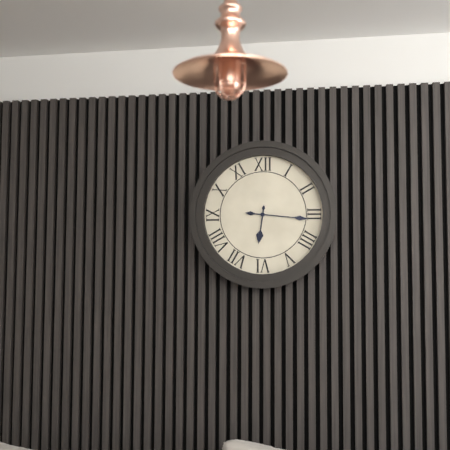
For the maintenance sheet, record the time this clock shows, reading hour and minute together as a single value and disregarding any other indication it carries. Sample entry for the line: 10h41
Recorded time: 6h16
